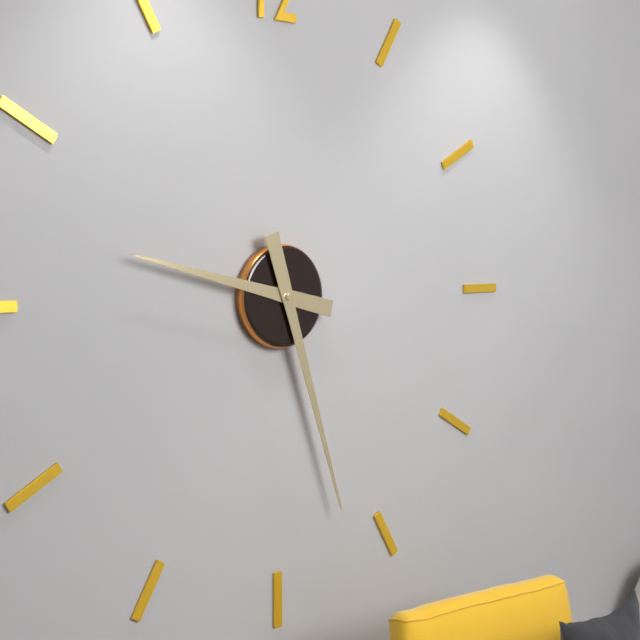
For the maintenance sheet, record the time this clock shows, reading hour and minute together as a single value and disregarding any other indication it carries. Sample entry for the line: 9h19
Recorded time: 9h27
